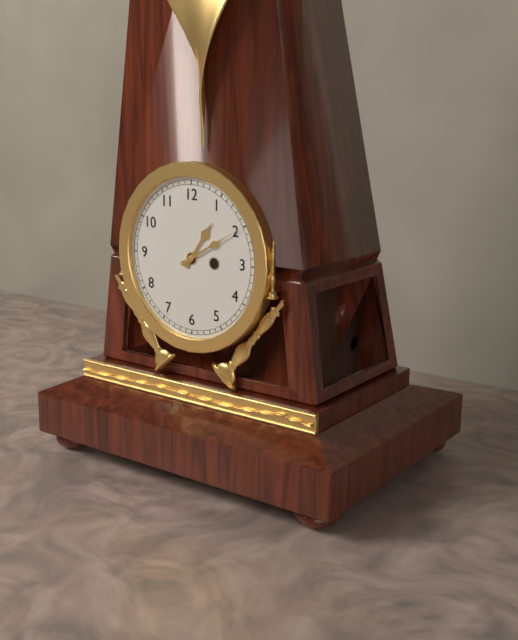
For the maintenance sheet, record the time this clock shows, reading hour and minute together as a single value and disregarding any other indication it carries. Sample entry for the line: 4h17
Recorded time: 1h10
